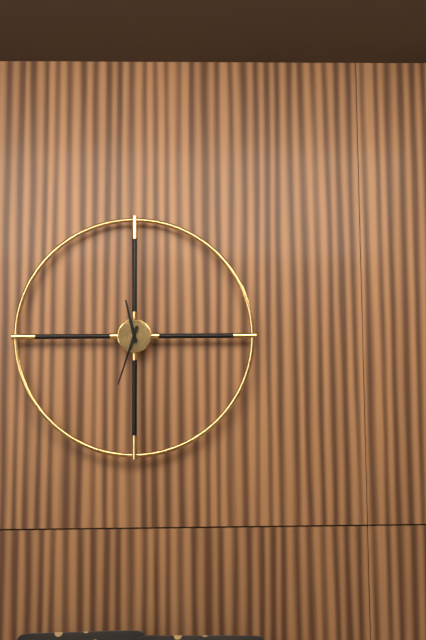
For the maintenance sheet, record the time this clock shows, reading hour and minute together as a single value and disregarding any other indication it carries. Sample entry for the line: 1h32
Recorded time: 11h33
